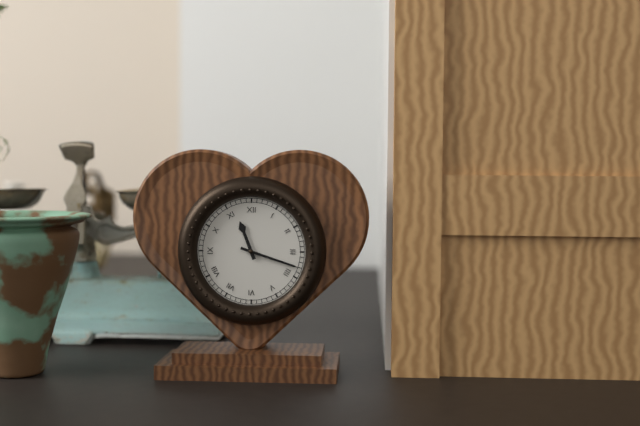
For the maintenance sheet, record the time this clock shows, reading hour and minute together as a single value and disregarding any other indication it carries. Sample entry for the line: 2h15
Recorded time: 11h18
